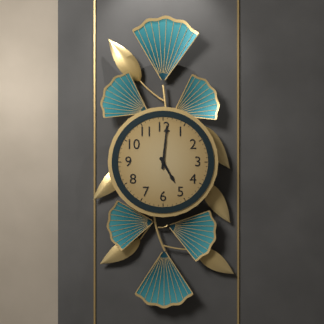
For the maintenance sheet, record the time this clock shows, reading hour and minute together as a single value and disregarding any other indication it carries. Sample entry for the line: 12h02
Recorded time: 5h01
